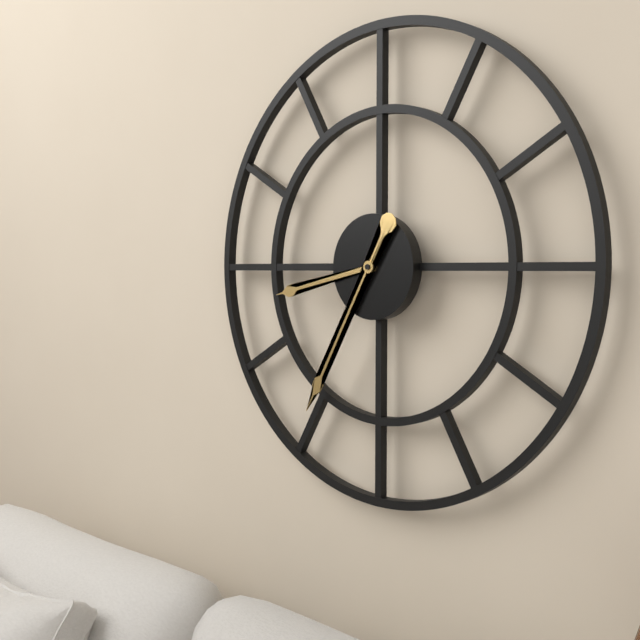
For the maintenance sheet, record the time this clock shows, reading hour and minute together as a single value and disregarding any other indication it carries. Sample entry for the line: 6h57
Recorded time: 8h35
